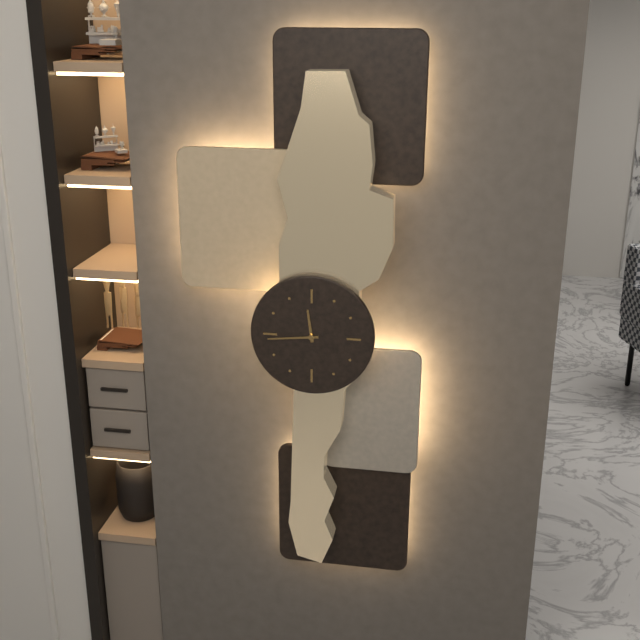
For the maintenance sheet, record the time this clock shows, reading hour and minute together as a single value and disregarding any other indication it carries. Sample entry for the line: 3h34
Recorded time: 11h44
